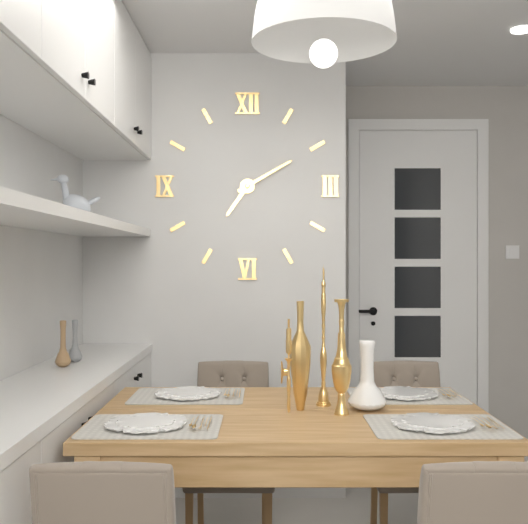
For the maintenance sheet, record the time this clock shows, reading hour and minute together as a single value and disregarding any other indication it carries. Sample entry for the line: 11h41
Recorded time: 7h10
